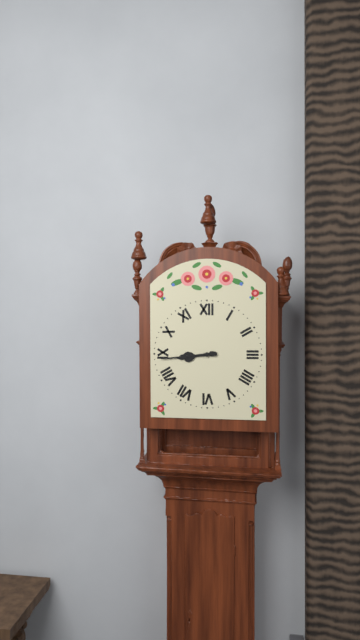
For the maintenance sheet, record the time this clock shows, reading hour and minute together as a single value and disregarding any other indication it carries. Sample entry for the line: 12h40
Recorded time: 8h44
